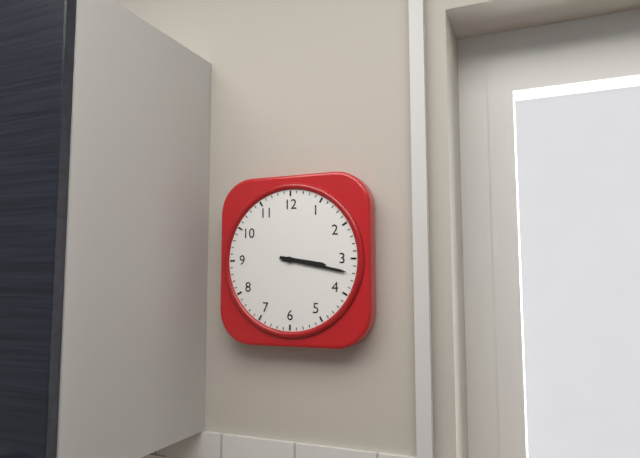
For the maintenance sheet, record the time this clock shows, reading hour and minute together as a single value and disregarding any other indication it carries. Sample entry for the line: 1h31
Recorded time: 3h17
